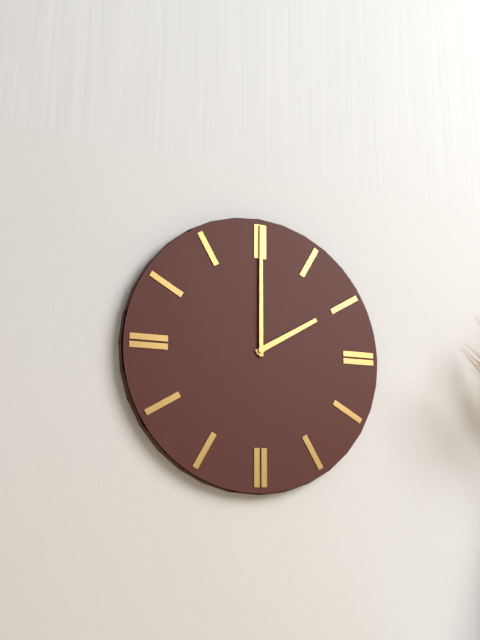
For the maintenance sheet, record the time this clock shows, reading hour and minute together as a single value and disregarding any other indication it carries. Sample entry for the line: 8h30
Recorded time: 2h00
